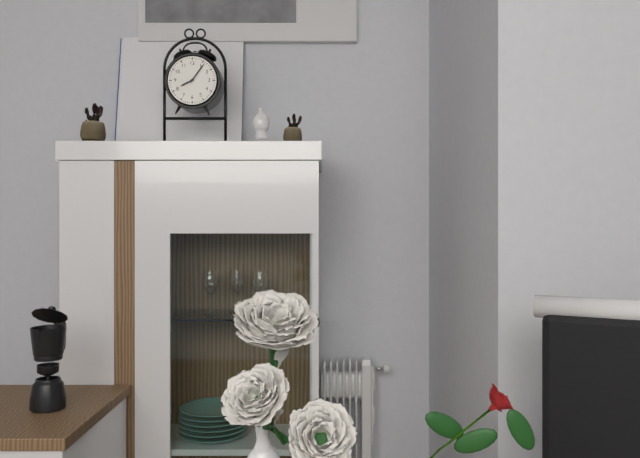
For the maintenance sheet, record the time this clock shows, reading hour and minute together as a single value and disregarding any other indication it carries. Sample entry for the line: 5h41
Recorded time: 8h06
